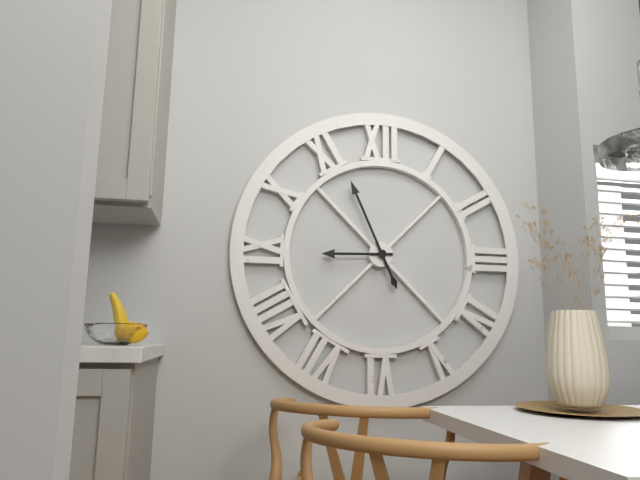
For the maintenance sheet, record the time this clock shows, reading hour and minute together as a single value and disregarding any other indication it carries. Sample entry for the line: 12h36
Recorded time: 8h56
